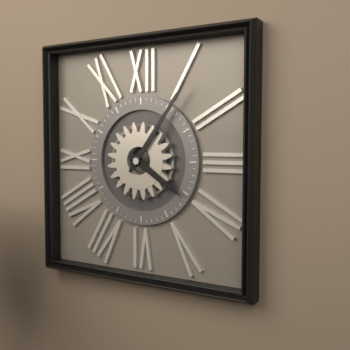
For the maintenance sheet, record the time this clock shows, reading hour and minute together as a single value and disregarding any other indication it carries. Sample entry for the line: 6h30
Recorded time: 4h06
